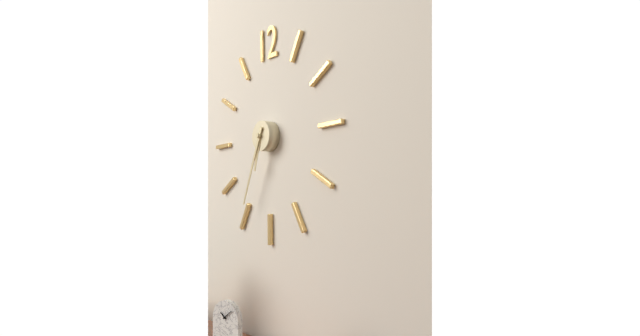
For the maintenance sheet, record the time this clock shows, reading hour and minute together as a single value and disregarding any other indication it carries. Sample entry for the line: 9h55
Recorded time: 6h34
